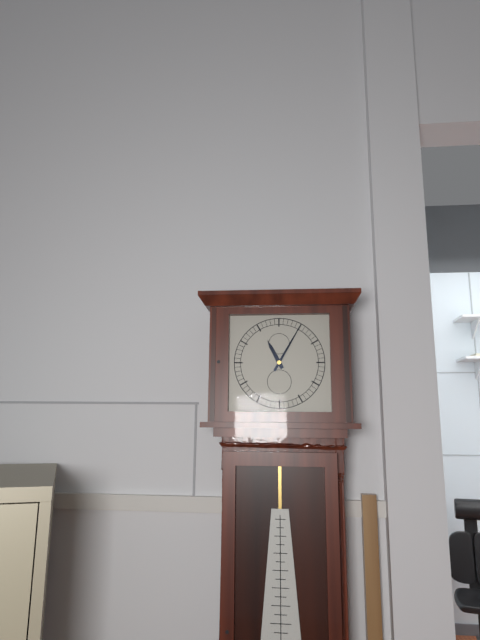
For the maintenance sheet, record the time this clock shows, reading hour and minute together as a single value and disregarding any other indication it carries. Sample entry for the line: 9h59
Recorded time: 11h05
